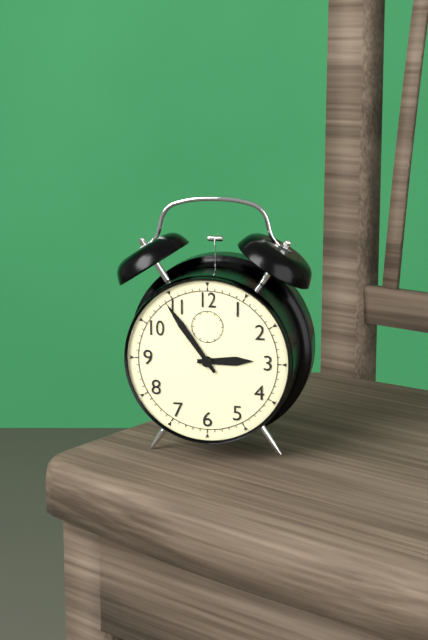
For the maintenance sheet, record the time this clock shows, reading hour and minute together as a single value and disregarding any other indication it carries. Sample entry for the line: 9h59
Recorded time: 2h54
